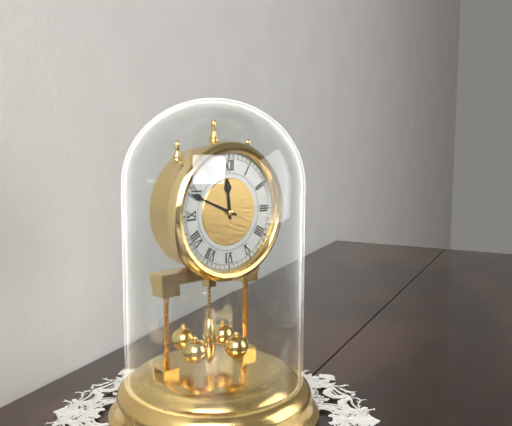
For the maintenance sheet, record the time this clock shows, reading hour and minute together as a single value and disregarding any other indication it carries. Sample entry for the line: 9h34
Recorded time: 11h49
